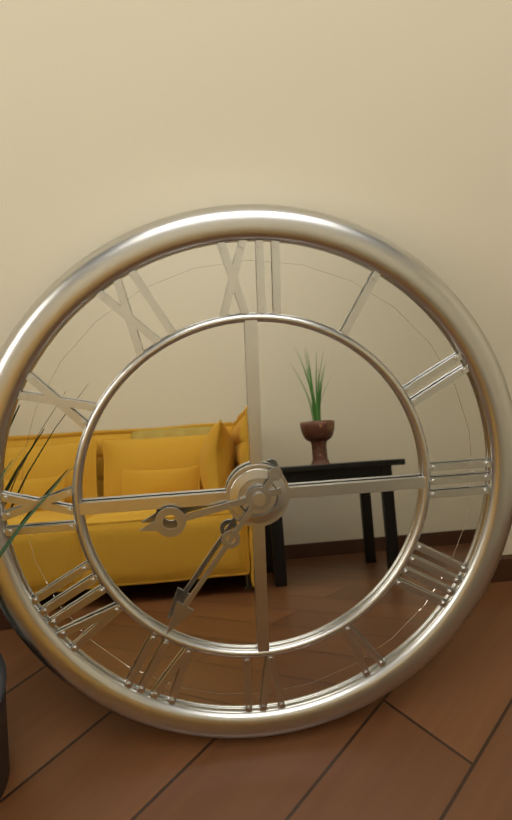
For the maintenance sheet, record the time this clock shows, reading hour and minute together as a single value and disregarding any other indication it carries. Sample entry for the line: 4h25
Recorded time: 8h36
